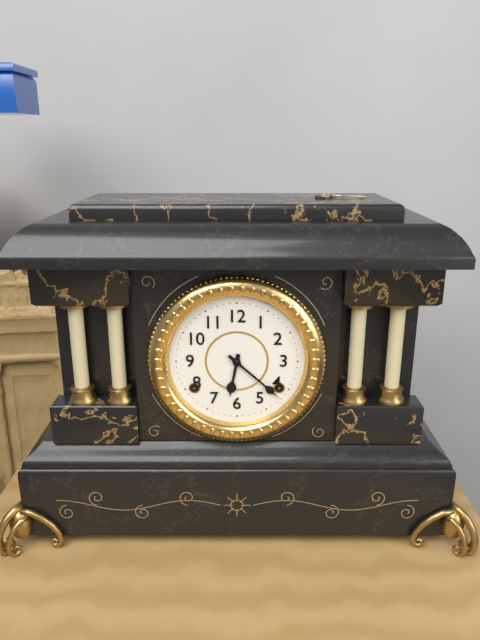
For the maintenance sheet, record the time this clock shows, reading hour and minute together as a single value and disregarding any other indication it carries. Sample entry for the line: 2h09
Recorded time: 6h22
